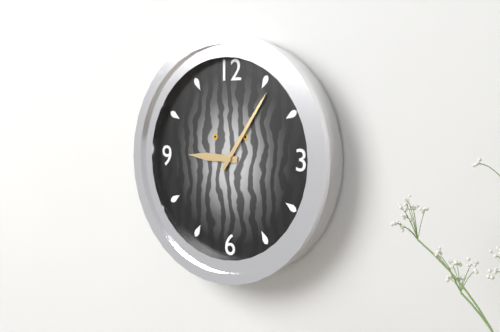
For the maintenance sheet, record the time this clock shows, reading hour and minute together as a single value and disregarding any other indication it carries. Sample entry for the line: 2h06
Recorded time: 9h06
